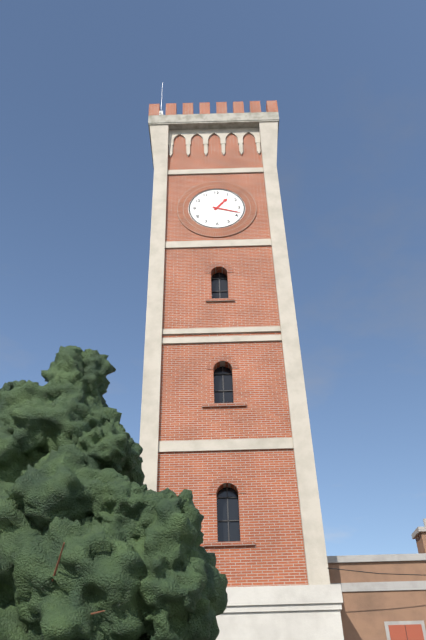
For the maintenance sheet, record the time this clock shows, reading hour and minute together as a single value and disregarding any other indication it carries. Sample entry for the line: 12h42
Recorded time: 1h18
